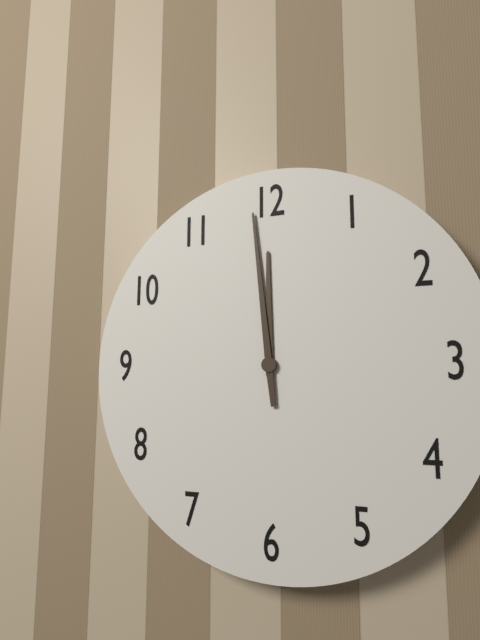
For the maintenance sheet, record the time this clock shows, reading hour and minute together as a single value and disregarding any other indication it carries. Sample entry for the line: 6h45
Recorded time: 11h59
